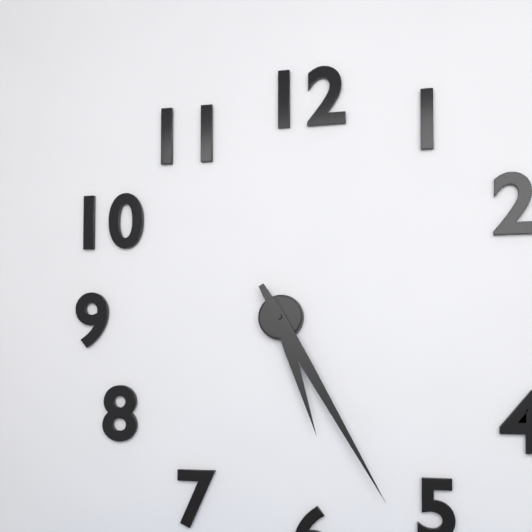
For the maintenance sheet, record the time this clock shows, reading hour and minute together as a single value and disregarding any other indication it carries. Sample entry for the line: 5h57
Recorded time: 5h25
